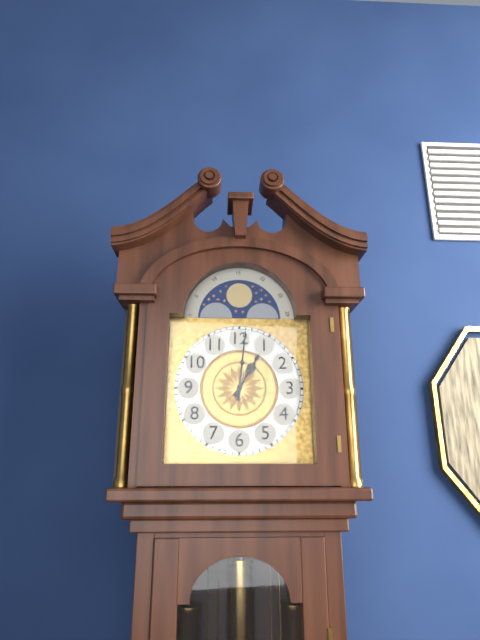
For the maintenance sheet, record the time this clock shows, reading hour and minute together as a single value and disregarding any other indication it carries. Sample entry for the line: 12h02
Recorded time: 1h01
